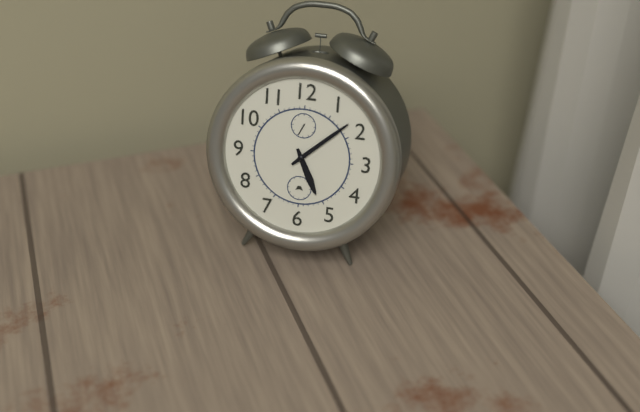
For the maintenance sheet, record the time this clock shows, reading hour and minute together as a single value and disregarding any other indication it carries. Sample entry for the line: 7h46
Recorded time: 5h08
